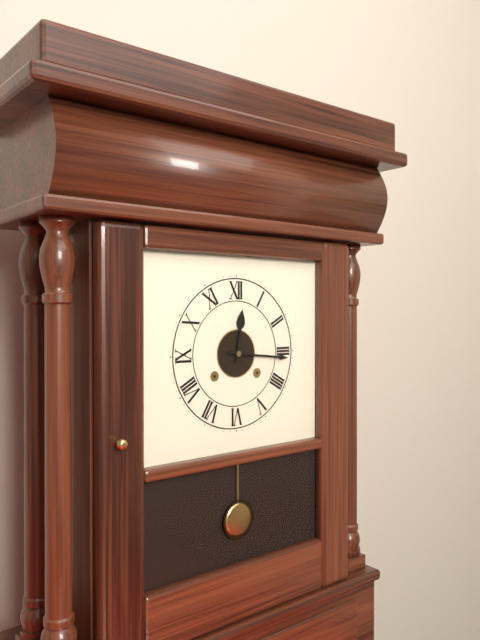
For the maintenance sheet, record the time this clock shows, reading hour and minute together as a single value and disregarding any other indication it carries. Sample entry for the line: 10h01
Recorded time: 12h16
